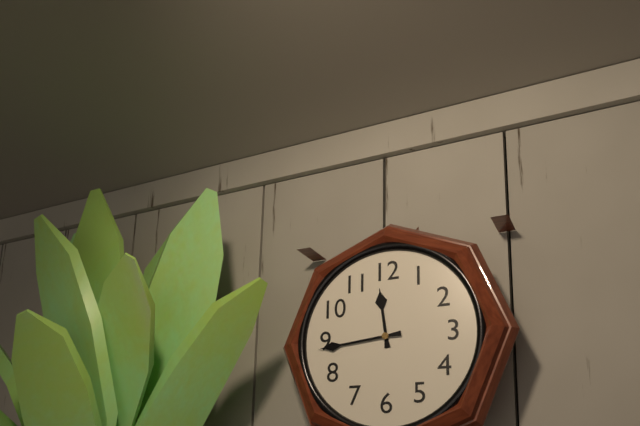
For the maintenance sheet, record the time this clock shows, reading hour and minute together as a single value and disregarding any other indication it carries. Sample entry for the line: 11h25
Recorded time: 11h44
